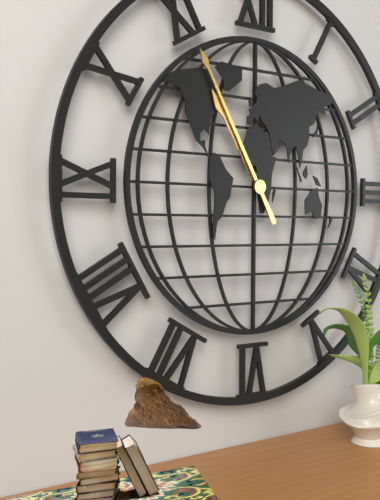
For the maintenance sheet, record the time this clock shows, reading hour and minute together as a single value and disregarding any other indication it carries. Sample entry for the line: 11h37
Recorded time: 10h55
